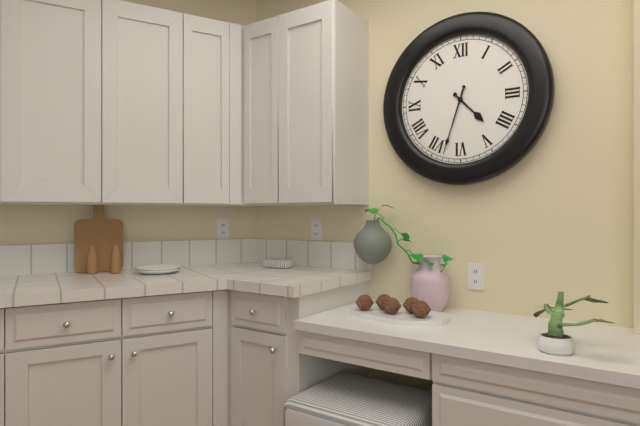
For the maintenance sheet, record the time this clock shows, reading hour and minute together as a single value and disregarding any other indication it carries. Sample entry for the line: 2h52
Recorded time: 4h33
